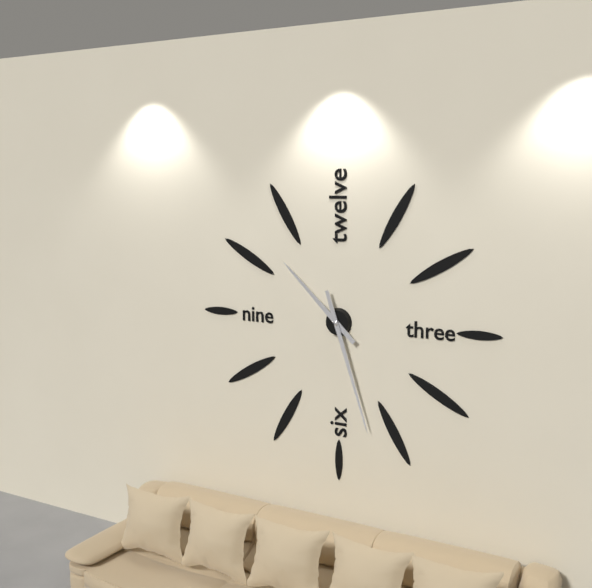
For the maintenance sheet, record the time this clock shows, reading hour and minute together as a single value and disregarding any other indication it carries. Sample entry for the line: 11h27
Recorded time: 10h27
